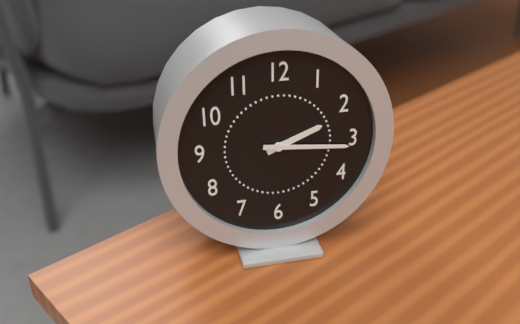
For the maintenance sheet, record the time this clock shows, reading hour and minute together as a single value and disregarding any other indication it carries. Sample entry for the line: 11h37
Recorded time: 2h16
